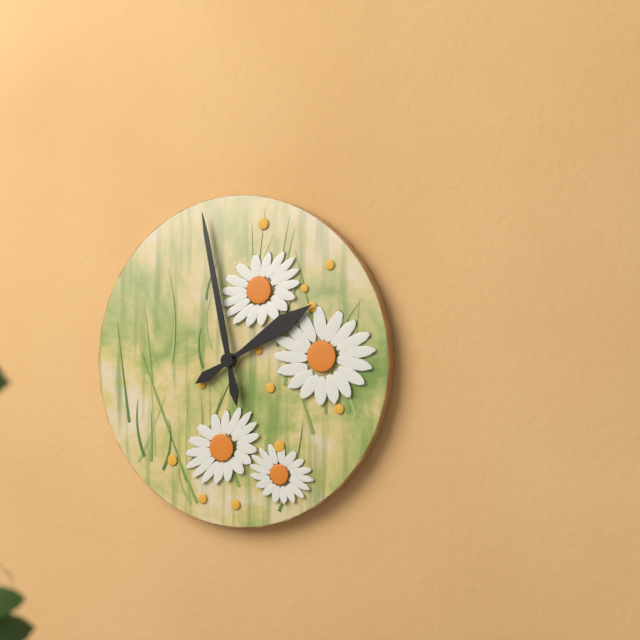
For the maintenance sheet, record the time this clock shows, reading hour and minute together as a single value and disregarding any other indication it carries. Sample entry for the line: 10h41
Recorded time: 1h58
